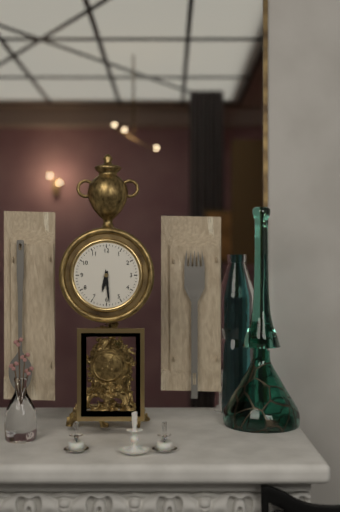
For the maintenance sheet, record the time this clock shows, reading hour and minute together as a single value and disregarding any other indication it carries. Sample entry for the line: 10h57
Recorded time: 6h29
